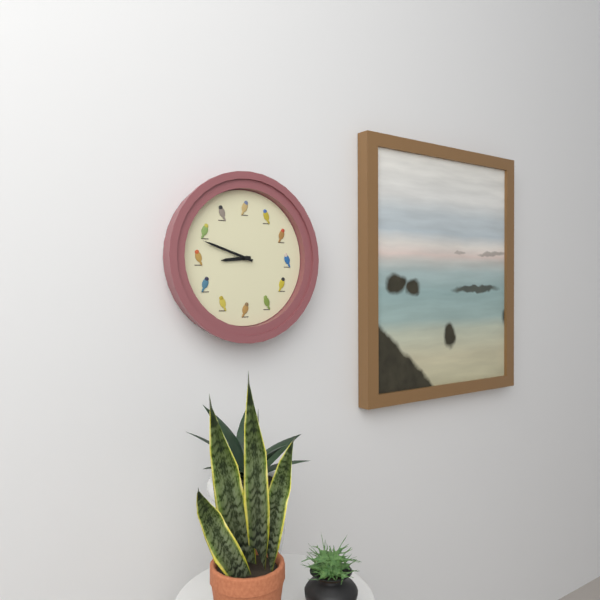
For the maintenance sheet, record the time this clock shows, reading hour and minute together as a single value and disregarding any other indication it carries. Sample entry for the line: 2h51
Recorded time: 8h48
